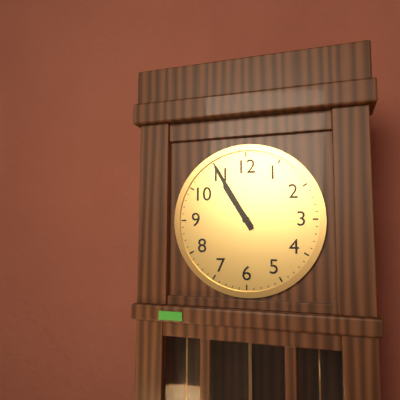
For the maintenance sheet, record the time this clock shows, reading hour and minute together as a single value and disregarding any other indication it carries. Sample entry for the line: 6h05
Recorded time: 10h55
